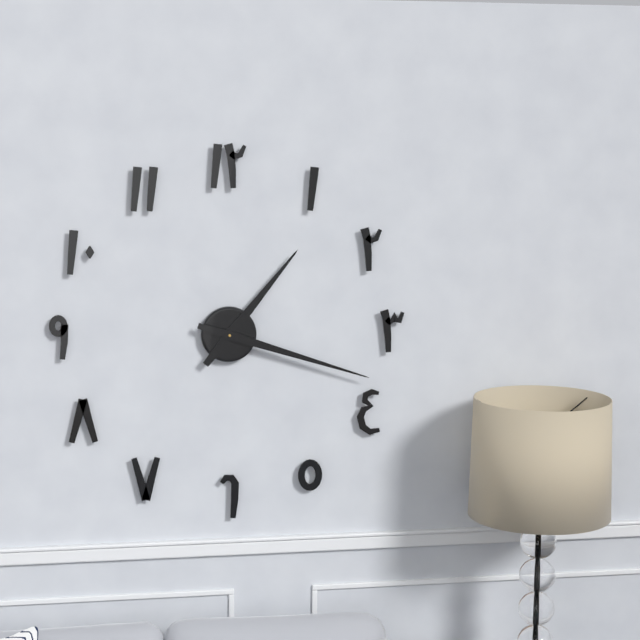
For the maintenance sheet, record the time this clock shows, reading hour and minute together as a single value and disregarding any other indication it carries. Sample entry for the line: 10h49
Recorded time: 1h18
